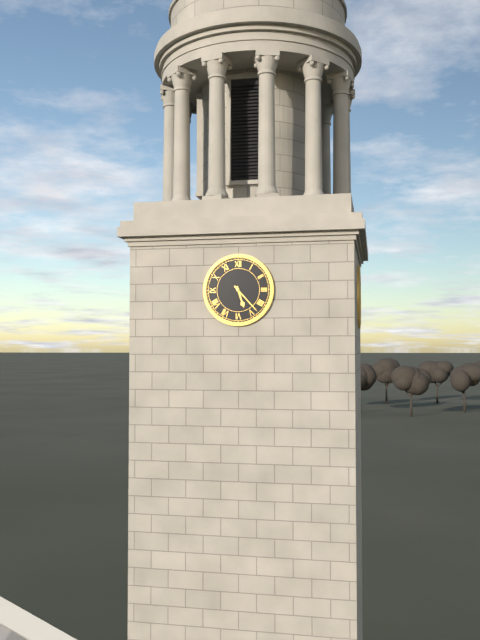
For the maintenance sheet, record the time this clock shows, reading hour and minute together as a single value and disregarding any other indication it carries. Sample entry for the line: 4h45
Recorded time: 5h23
